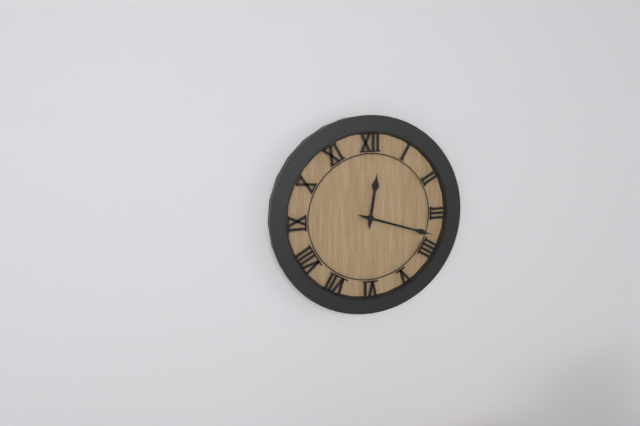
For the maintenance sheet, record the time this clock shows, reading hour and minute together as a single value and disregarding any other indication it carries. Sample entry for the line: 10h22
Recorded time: 12h18
